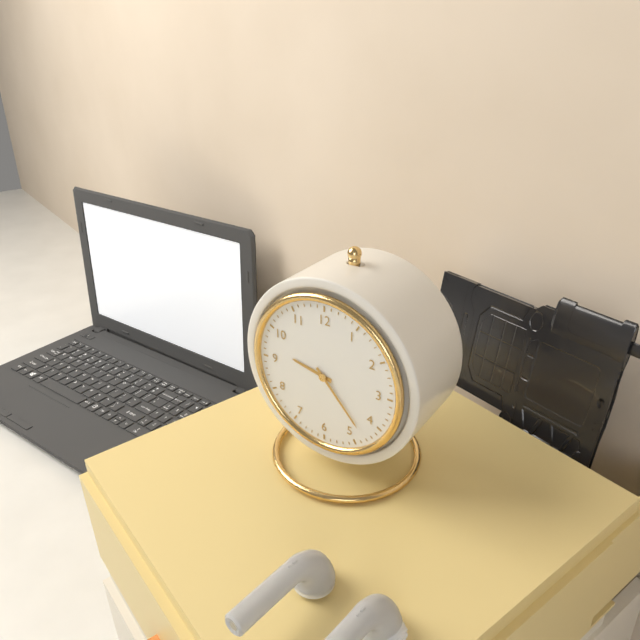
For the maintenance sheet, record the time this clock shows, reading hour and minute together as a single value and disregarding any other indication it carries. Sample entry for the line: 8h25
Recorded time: 9h23
